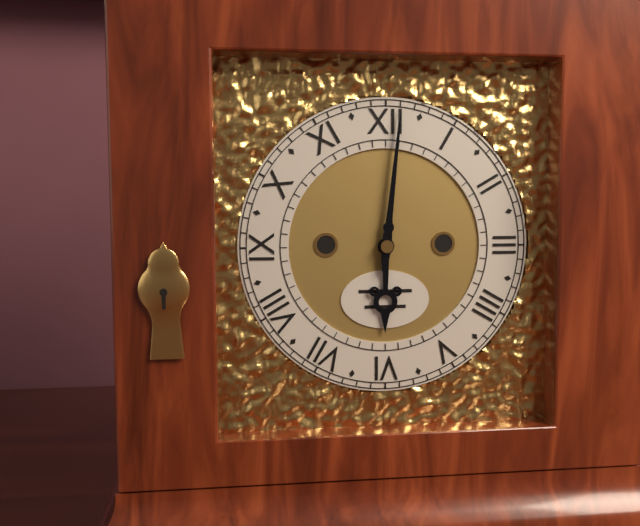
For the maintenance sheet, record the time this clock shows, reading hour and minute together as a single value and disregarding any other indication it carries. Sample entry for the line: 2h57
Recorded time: 6h01
